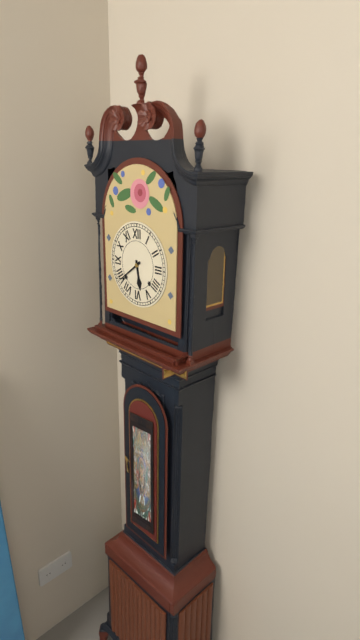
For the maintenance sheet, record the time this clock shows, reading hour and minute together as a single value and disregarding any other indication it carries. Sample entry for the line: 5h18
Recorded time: 5h39
